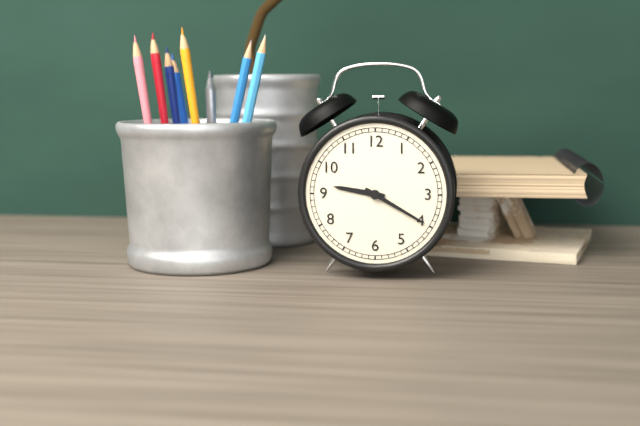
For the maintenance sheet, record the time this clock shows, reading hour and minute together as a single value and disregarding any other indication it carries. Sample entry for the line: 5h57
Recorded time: 9h20
